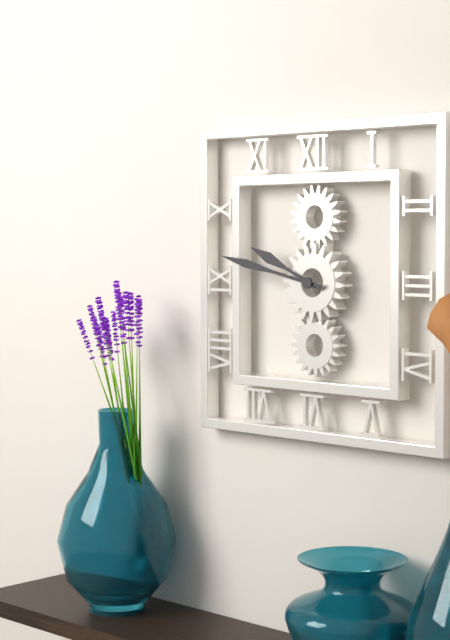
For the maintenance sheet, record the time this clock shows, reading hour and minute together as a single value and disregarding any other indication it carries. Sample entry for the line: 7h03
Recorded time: 9h47
